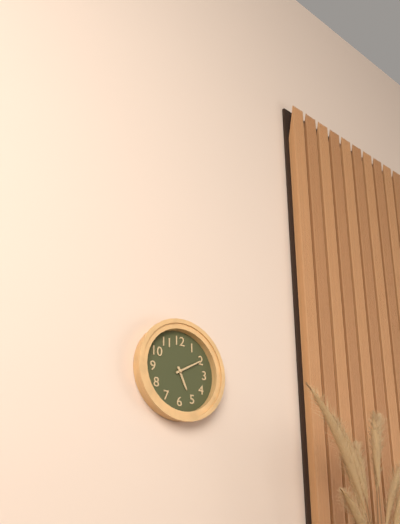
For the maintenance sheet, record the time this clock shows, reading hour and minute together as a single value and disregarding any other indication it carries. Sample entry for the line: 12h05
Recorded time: 5h10
